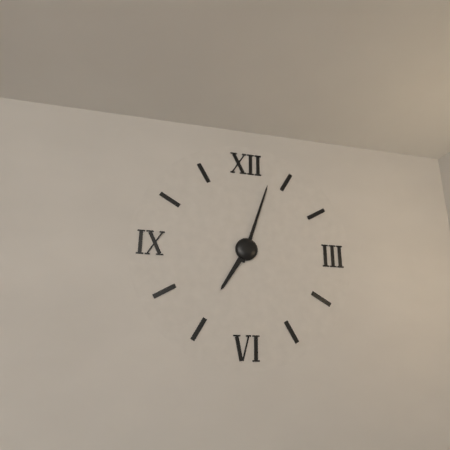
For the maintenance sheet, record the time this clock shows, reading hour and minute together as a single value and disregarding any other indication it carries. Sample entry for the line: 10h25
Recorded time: 7h03
